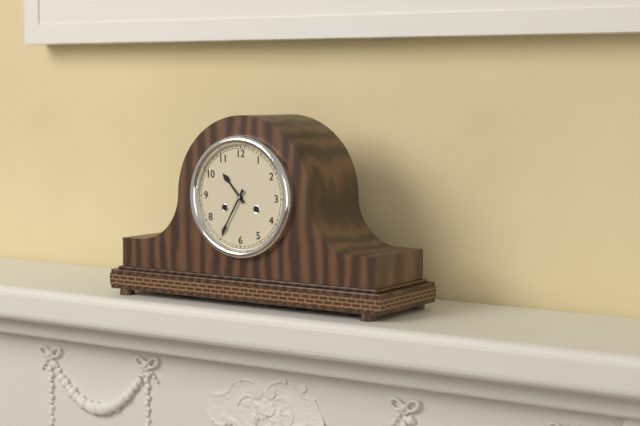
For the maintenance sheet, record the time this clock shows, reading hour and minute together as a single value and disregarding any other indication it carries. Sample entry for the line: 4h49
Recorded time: 10h35
